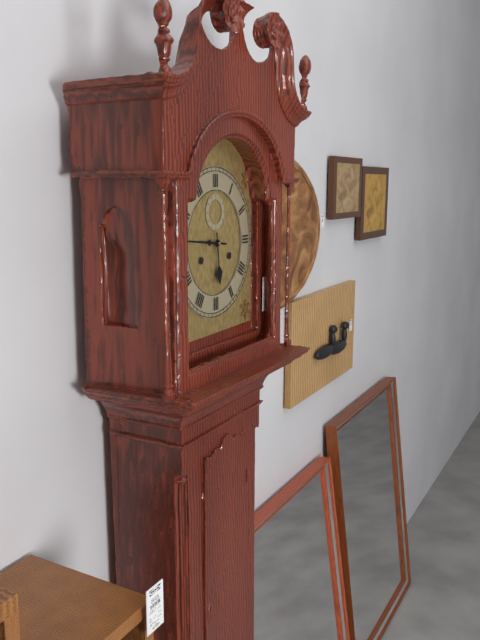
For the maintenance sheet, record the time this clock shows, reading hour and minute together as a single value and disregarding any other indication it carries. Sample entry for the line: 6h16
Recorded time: 5h46
